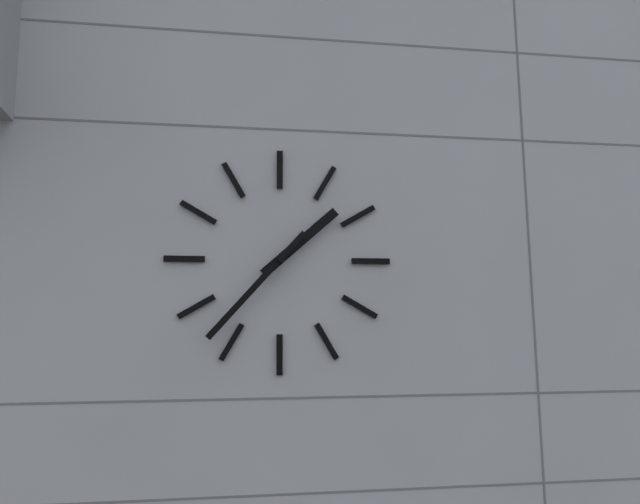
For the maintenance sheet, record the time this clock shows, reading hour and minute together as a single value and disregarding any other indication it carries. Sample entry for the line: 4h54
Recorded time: 1h37
